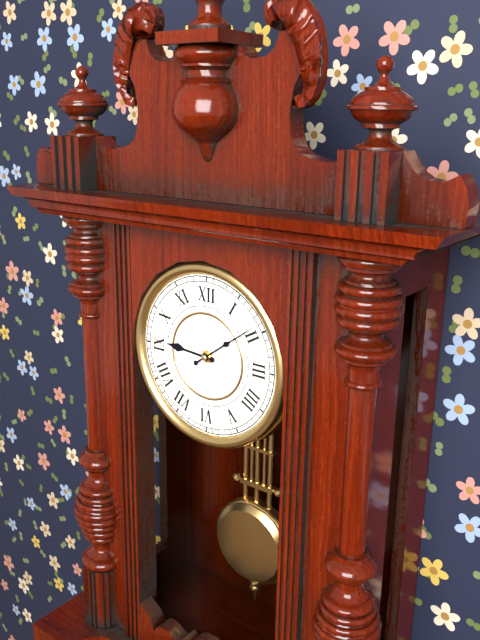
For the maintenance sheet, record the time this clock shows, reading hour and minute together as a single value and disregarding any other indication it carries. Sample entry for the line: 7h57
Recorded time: 9h09
